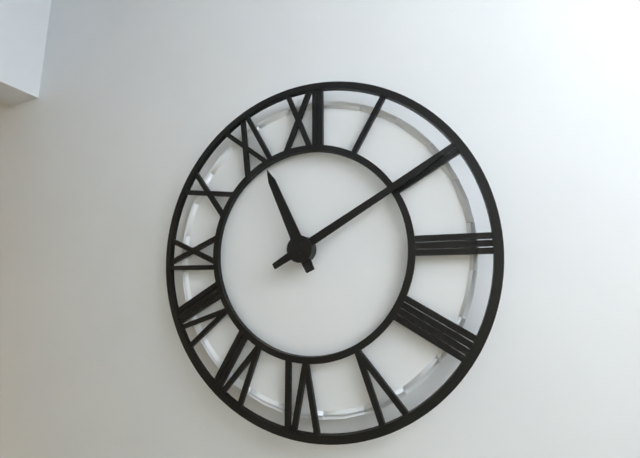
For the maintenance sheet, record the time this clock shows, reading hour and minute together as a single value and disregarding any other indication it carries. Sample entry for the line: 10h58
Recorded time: 11h10
